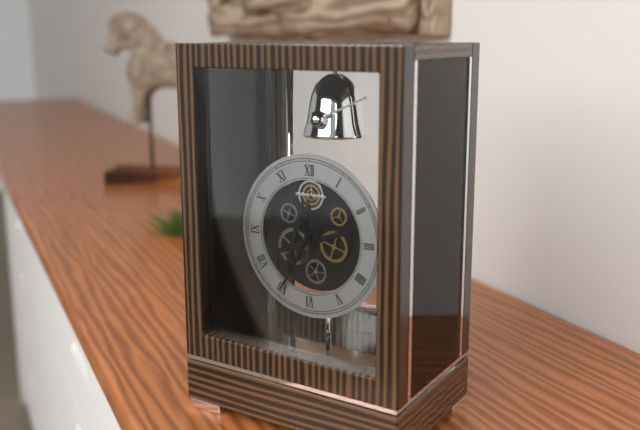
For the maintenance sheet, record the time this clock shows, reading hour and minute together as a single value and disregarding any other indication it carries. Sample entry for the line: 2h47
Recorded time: 11h35
